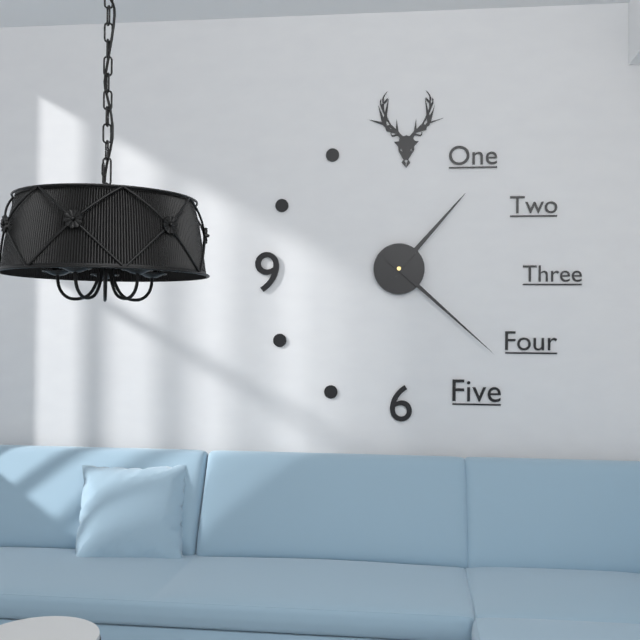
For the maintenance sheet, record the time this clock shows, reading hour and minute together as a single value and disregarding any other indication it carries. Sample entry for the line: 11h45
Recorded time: 1h22
